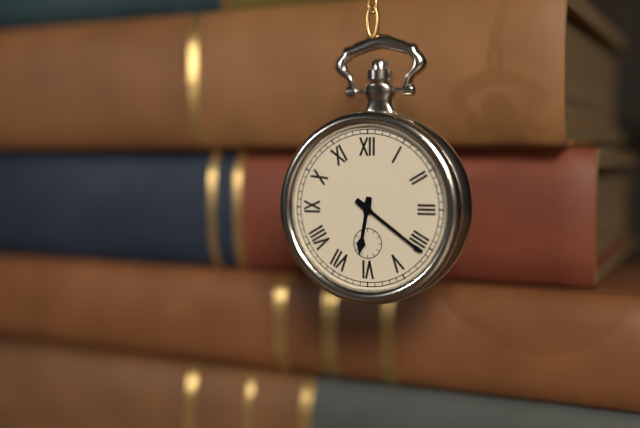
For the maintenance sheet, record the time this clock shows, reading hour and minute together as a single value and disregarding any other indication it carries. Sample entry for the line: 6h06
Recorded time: 6h21
